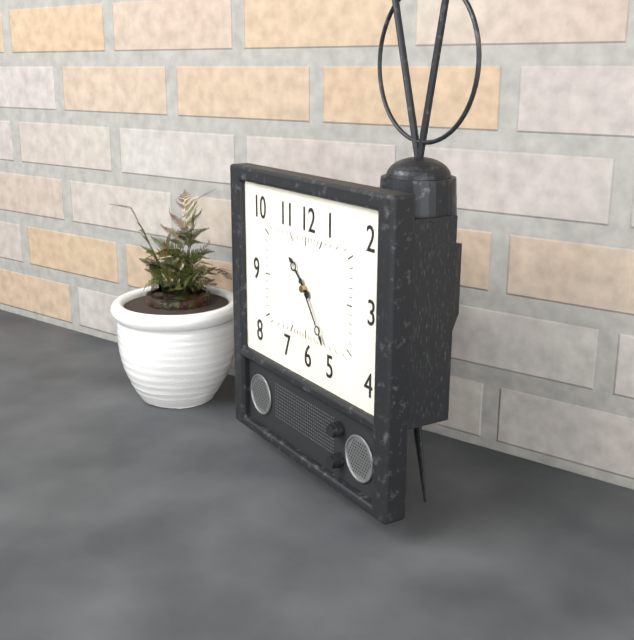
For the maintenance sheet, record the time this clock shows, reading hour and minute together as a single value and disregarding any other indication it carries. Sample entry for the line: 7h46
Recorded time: 10h24
